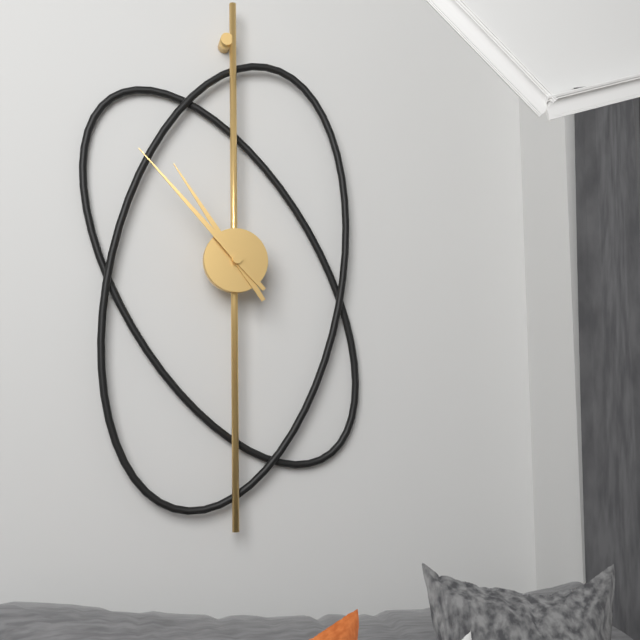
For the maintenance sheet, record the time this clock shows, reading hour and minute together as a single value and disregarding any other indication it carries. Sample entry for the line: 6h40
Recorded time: 10h53
